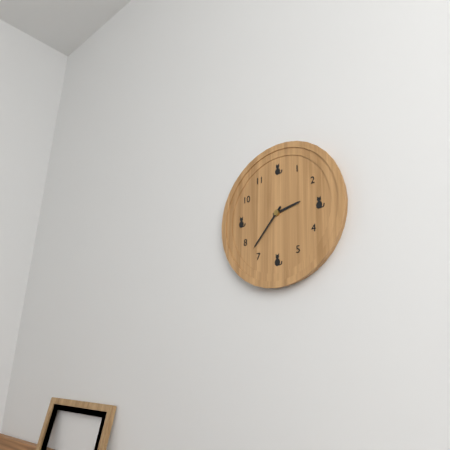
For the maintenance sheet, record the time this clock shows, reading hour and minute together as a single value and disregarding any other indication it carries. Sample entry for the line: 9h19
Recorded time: 2h37
